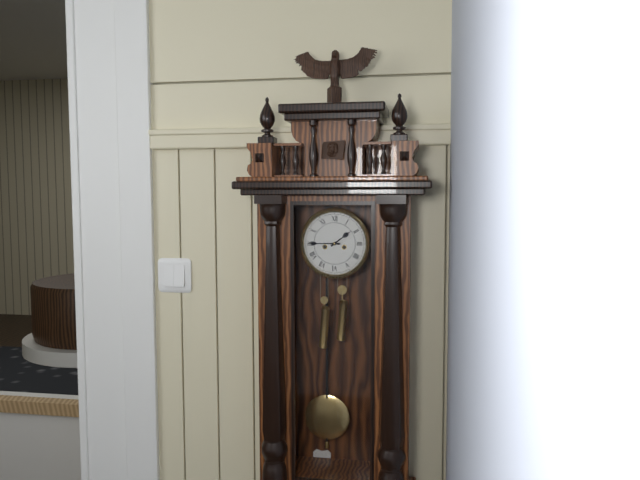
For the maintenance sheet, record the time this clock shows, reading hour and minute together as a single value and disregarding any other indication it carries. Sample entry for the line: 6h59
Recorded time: 1h45
